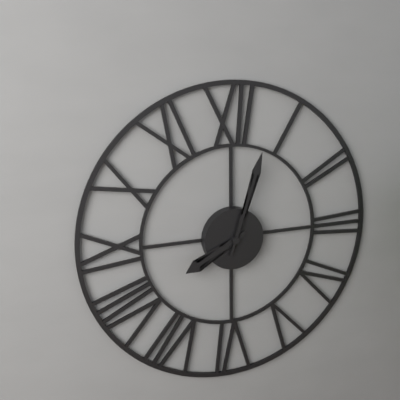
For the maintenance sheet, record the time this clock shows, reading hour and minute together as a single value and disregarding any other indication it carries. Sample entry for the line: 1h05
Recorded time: 8h03
